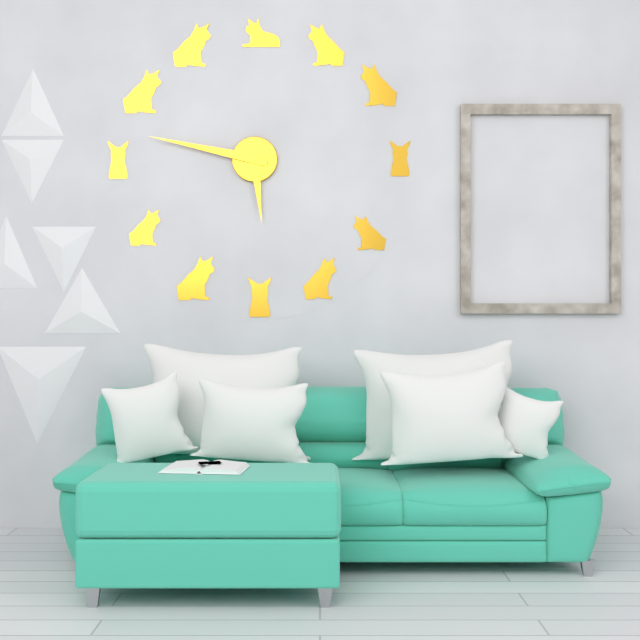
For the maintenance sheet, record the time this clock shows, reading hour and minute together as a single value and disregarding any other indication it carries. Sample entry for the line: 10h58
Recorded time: 5h47
